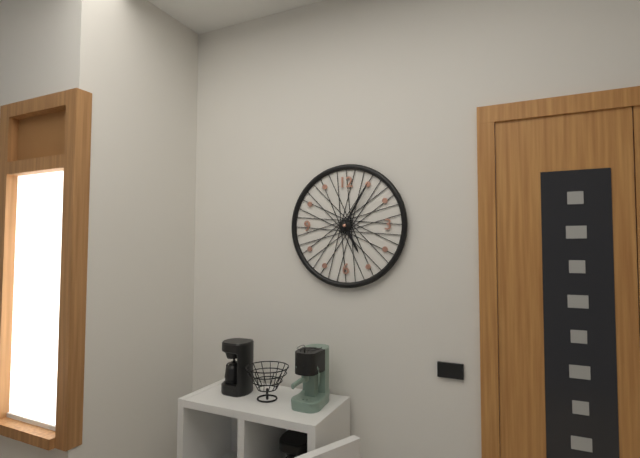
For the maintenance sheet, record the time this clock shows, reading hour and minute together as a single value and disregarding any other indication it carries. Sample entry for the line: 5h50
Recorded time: 5h05
